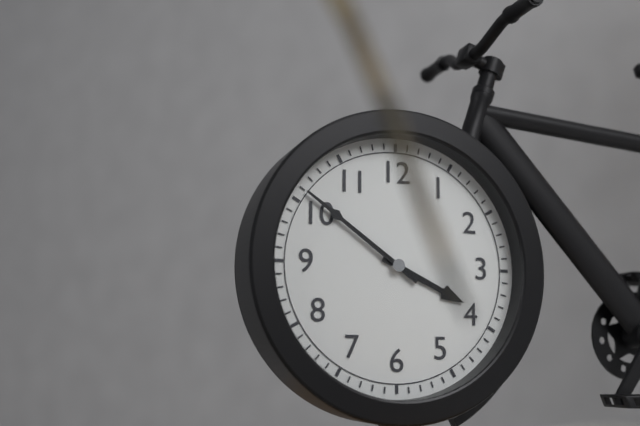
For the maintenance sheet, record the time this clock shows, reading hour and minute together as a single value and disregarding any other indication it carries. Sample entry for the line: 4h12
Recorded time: 3h51
